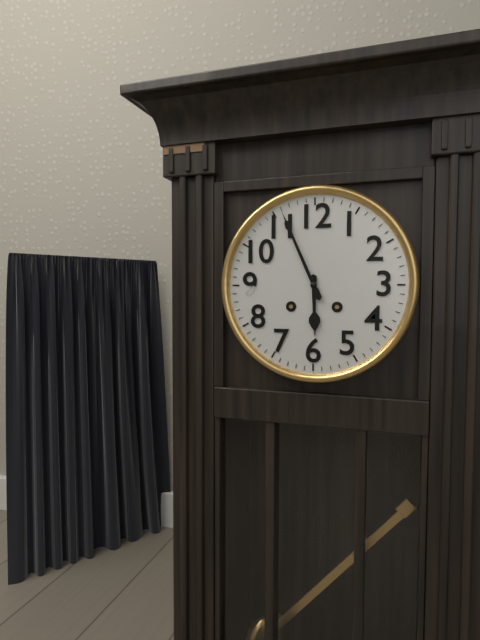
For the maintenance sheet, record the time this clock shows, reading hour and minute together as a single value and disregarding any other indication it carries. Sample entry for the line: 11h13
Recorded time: 5h56
